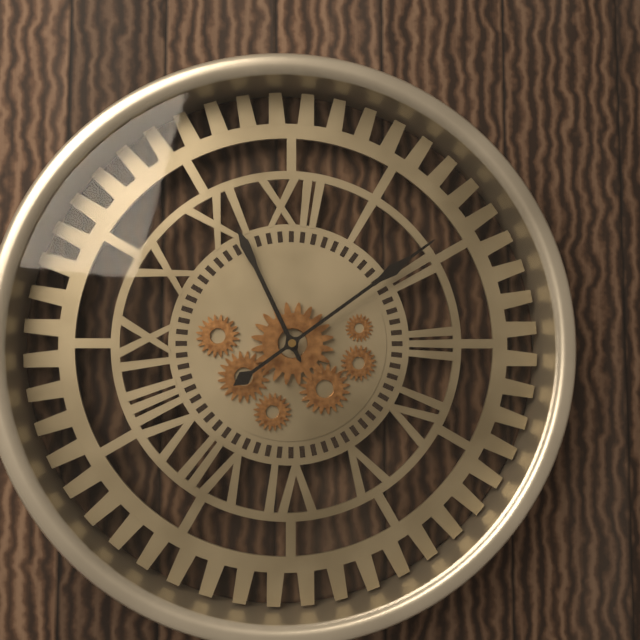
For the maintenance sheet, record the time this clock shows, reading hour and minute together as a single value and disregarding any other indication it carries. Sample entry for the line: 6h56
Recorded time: 11h09
